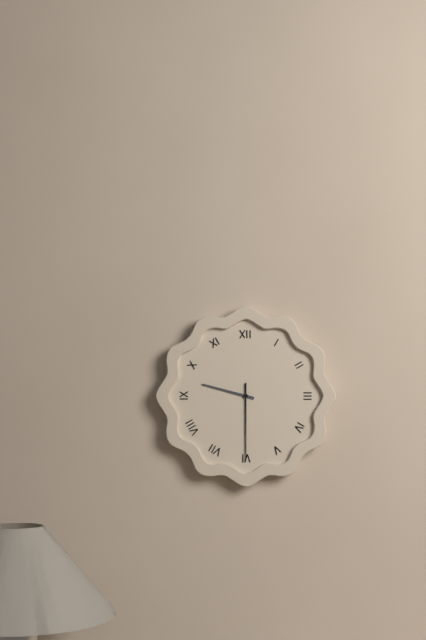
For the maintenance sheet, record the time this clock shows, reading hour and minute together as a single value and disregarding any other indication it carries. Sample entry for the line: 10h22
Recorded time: 9h30
